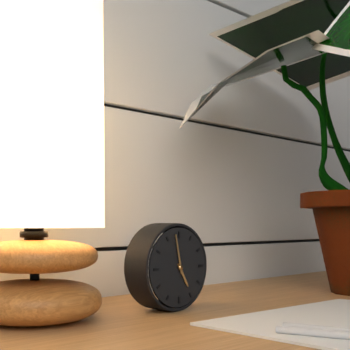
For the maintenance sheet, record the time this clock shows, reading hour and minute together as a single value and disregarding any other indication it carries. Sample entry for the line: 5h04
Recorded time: 4h58
